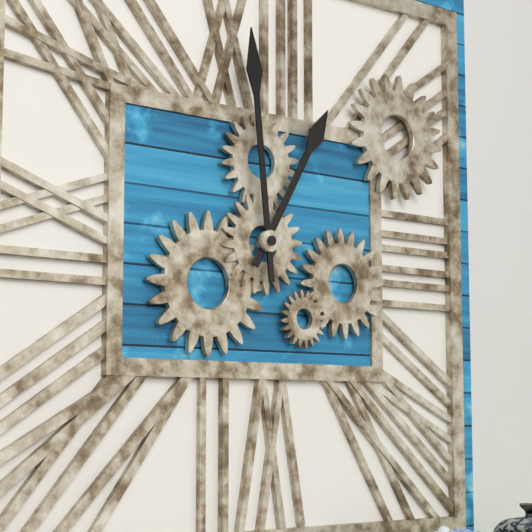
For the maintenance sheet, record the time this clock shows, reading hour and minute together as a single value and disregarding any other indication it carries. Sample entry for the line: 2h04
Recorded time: 12h59
